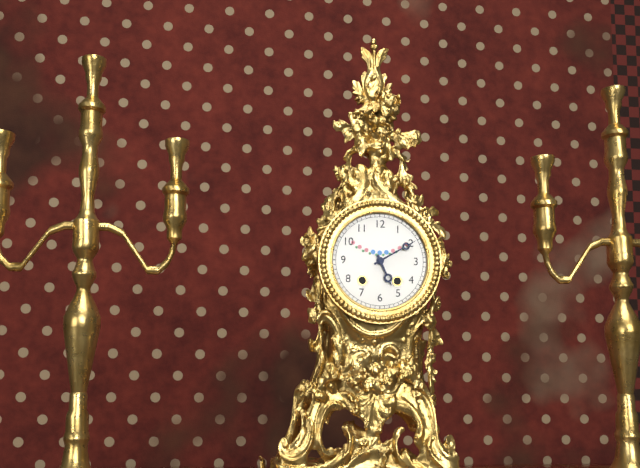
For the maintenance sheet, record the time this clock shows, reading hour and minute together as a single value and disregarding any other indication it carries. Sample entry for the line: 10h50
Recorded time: 5h10
